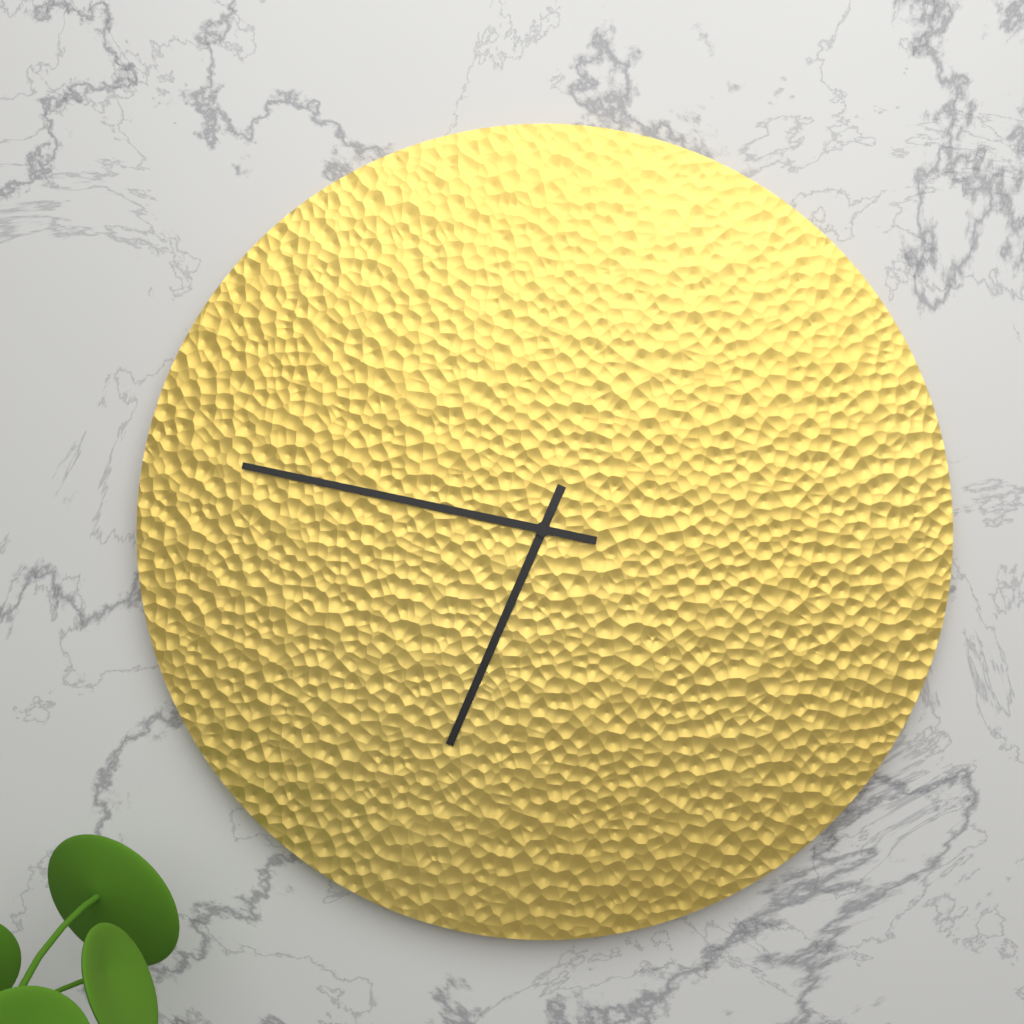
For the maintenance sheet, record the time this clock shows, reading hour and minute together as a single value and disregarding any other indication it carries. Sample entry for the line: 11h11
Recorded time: 6h47
